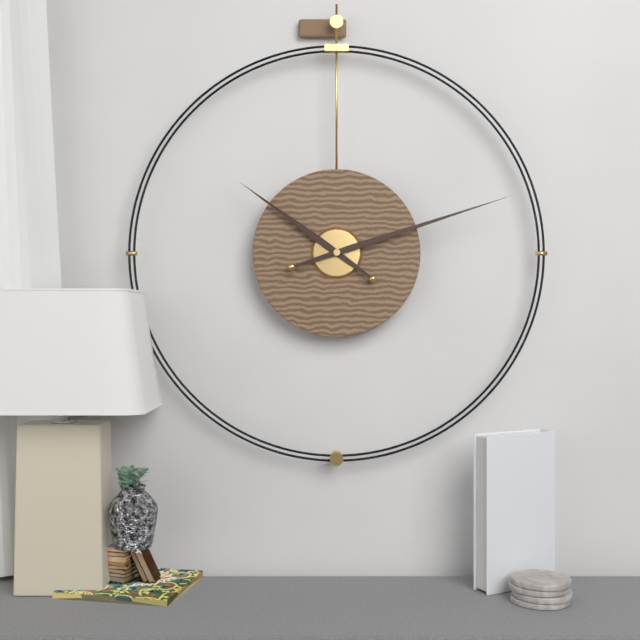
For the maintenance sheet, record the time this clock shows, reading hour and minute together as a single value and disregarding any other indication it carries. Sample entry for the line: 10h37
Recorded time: 10h12
